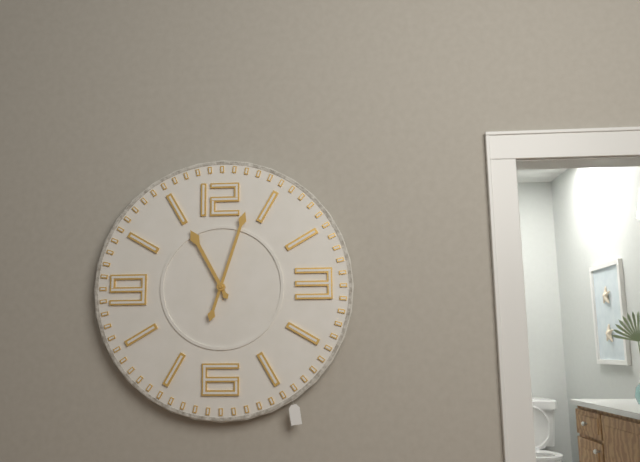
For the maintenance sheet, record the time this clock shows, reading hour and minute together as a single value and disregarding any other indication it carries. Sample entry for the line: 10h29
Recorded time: 11h03
